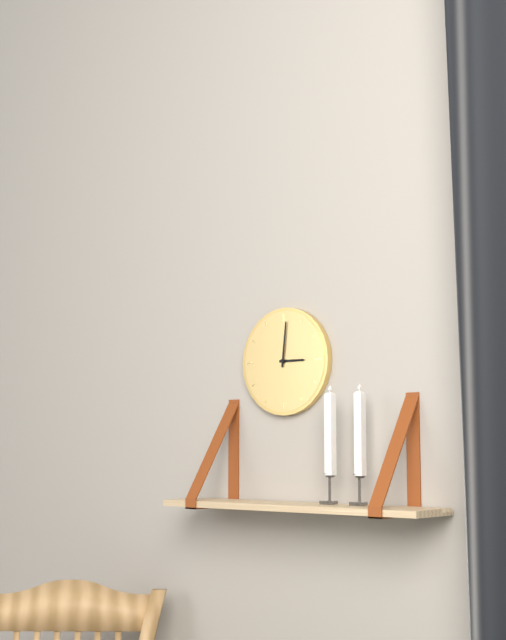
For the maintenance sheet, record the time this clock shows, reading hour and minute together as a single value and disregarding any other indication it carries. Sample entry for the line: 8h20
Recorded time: 3h01
